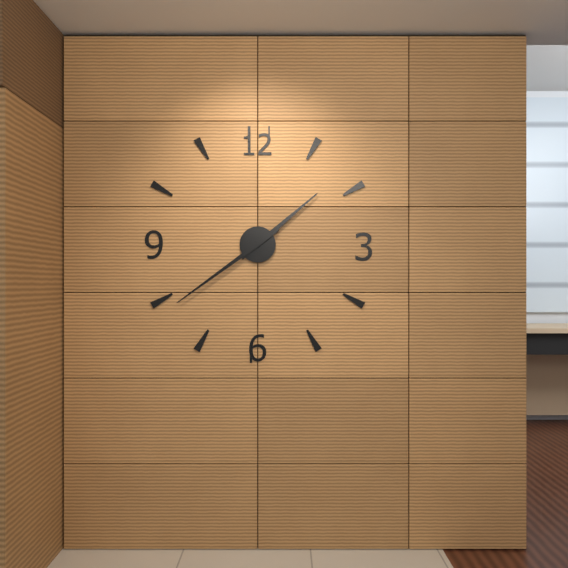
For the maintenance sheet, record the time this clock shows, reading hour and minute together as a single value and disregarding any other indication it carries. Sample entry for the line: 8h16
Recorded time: 1h39
